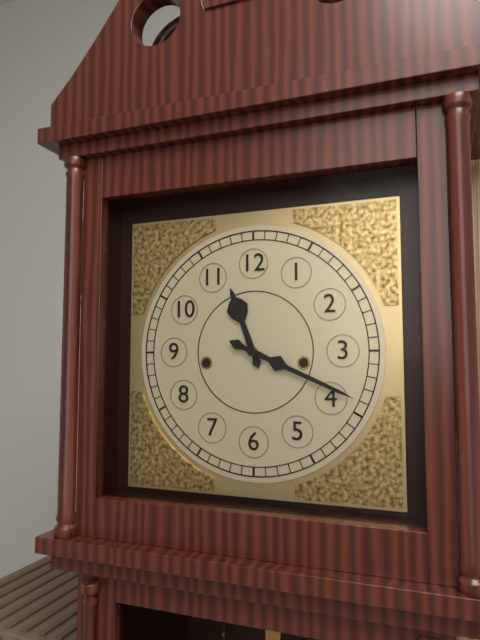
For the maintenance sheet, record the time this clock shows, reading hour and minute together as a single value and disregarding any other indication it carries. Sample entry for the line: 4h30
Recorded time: 11h19
